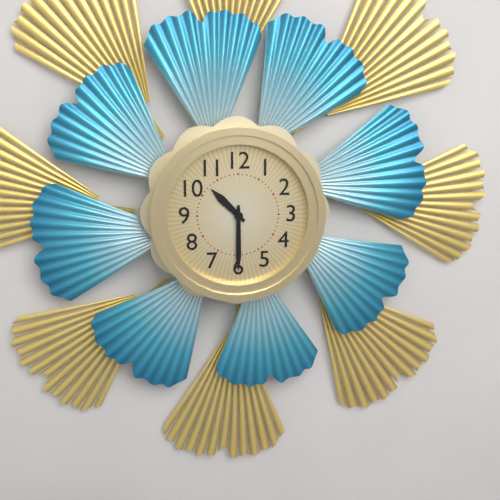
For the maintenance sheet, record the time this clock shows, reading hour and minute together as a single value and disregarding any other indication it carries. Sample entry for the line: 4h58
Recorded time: 10h30
